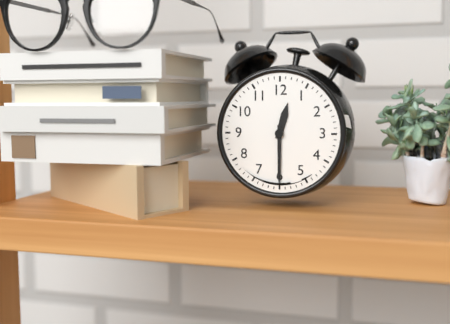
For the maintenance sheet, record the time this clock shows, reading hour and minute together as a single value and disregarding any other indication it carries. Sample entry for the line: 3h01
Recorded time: 12h30
